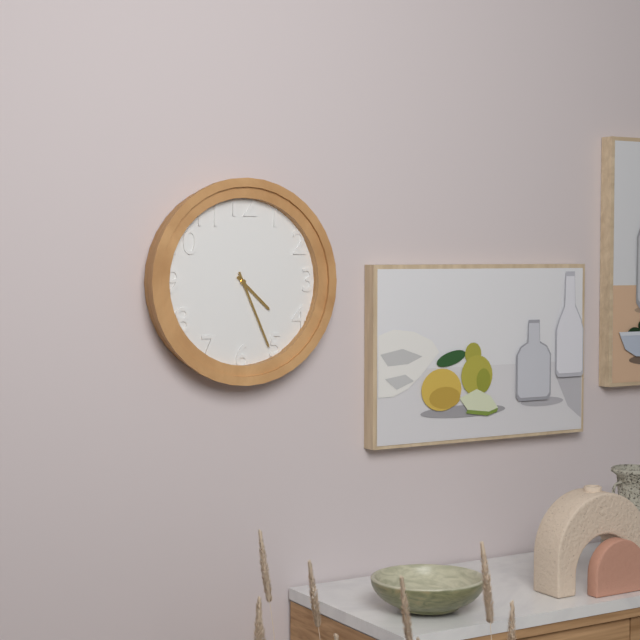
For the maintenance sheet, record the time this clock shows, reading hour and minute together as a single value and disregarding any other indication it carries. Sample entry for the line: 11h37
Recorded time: 4h26
